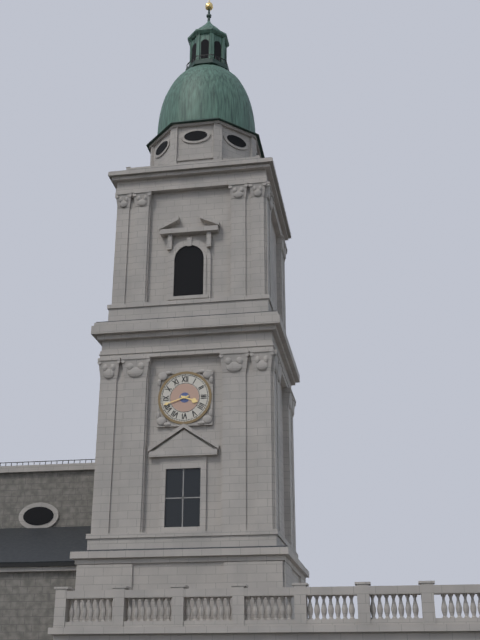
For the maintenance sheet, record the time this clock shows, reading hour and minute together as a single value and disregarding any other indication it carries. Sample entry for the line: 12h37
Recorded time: 3h42
